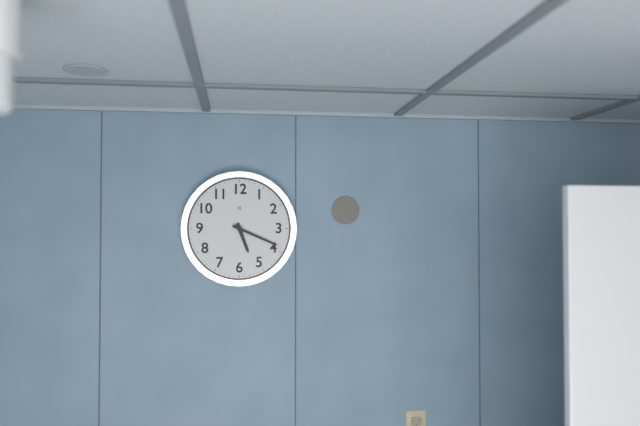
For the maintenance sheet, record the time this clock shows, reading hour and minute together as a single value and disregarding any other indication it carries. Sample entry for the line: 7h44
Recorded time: 5h19
